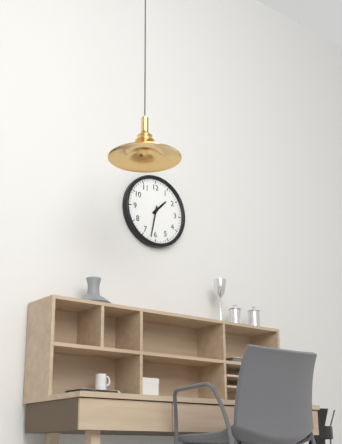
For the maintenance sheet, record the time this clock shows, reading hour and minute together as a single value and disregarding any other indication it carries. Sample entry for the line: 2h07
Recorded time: 1h32
